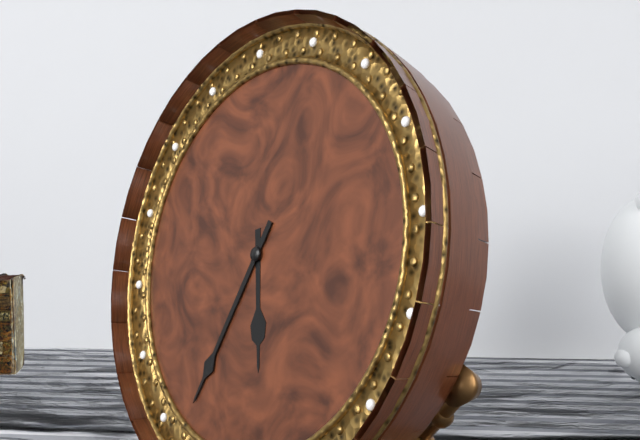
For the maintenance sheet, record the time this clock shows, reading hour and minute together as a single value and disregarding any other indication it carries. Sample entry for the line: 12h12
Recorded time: 5h34
